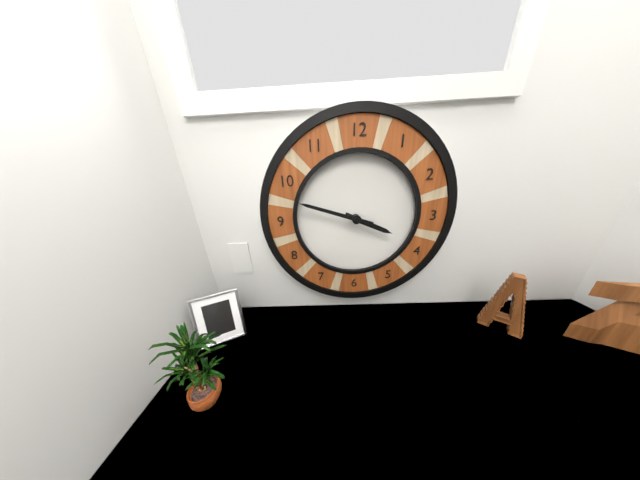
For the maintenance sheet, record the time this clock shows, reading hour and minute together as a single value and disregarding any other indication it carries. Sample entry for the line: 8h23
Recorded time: 3h48
